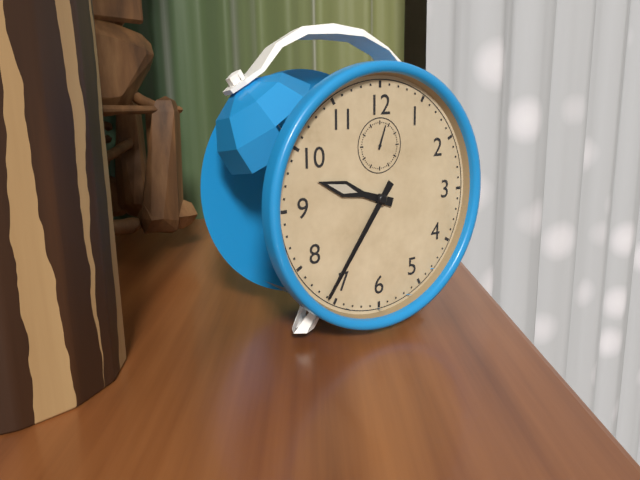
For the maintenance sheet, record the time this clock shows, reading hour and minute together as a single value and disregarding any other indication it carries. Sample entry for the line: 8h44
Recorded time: 9h36
